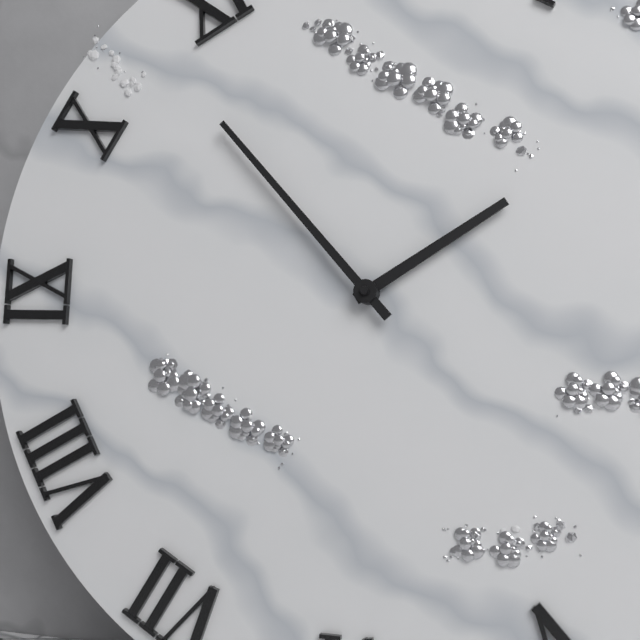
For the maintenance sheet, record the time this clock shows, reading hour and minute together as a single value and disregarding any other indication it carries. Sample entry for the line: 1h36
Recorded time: 1h53
